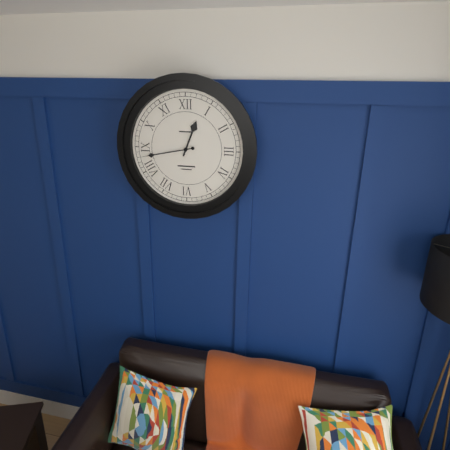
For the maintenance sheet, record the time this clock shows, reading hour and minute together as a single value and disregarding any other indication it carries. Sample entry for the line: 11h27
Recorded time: 12h43
